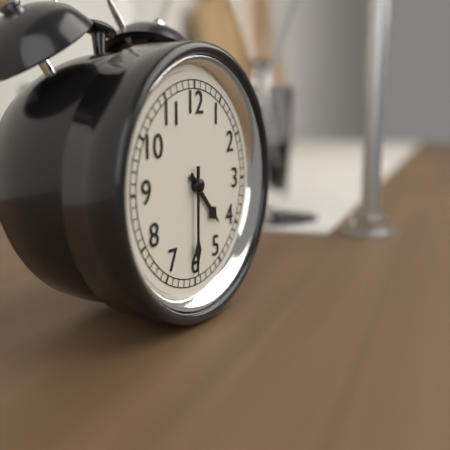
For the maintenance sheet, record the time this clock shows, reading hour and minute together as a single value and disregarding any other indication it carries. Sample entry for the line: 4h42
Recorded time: 4h30
